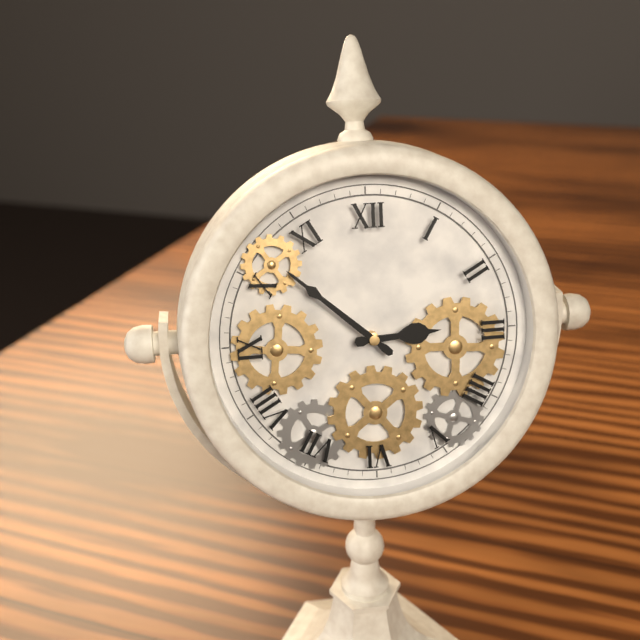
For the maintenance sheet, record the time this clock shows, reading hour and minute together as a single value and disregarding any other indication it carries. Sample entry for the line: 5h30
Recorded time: 2h52
